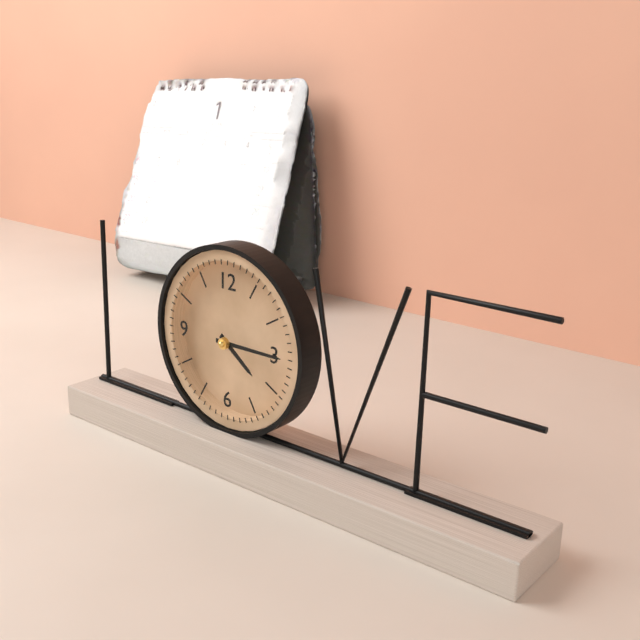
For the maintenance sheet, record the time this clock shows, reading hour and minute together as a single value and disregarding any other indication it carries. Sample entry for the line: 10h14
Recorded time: 4h15
